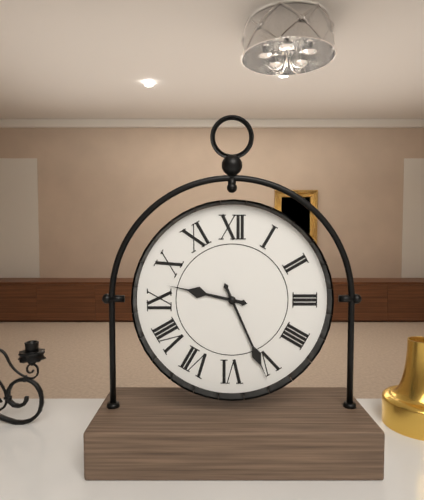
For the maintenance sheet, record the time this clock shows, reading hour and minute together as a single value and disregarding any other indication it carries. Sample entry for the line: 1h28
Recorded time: 9h26
